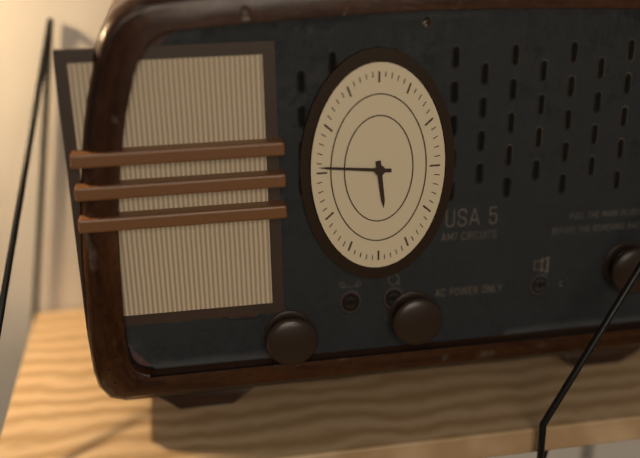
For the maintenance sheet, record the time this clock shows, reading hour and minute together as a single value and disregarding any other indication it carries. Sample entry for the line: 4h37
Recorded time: 5h46
